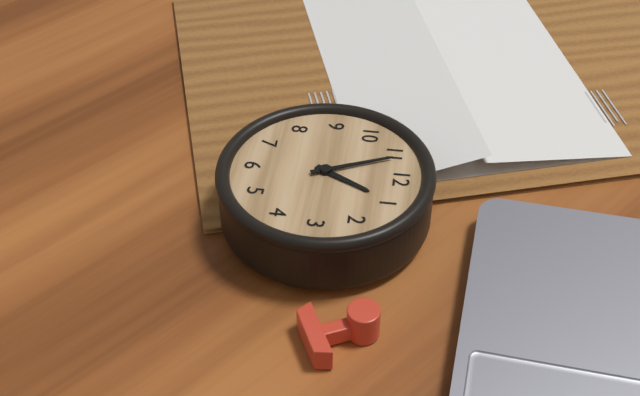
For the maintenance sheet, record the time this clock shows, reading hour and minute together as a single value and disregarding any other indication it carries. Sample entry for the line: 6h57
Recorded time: 12h56
